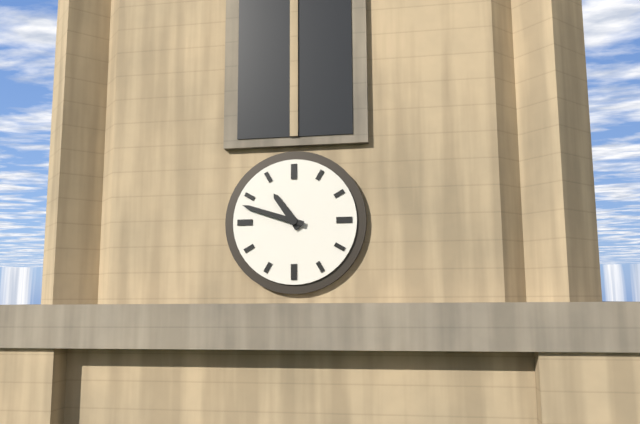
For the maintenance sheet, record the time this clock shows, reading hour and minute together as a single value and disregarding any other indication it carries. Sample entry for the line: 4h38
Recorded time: 10h48
